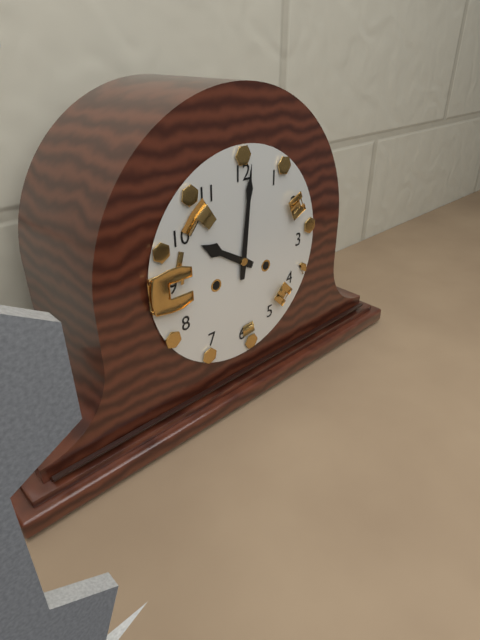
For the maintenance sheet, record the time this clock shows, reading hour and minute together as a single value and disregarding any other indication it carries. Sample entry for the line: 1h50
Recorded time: 10h01
